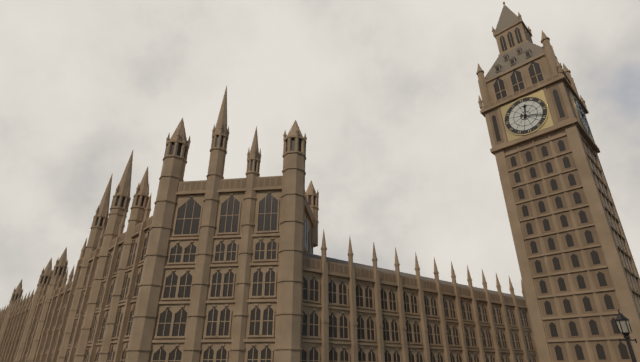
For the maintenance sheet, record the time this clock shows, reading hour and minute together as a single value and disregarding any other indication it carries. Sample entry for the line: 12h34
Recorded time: 12h19
